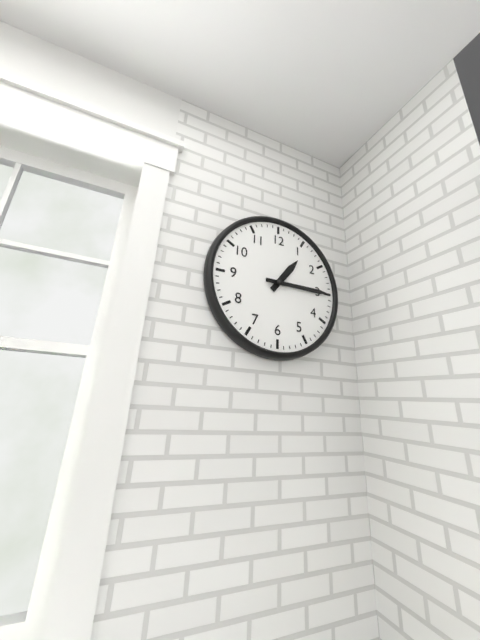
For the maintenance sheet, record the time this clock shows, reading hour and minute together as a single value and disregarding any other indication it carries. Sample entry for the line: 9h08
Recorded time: 1h15
